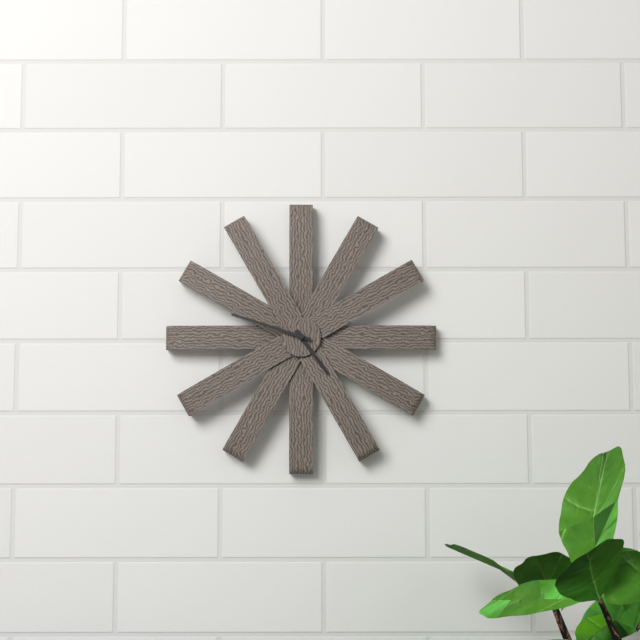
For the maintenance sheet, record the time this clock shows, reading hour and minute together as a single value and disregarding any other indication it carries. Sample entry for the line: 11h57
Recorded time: 4h48
